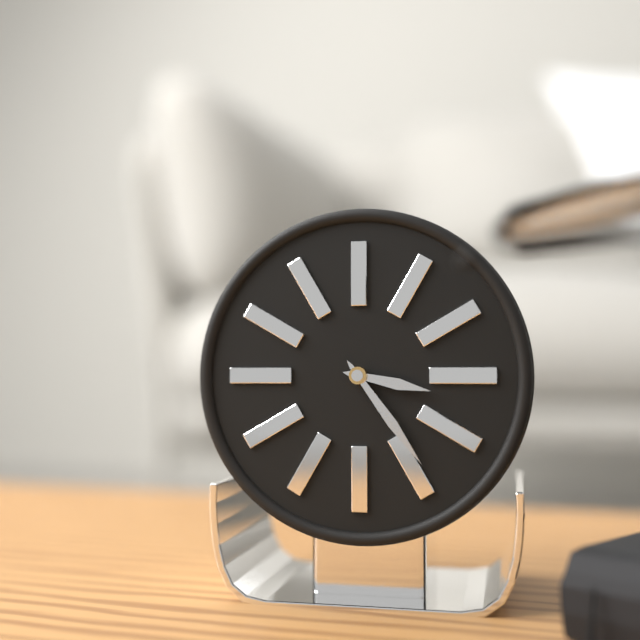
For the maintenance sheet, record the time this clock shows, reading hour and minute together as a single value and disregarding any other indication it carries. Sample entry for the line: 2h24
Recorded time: 3h24
